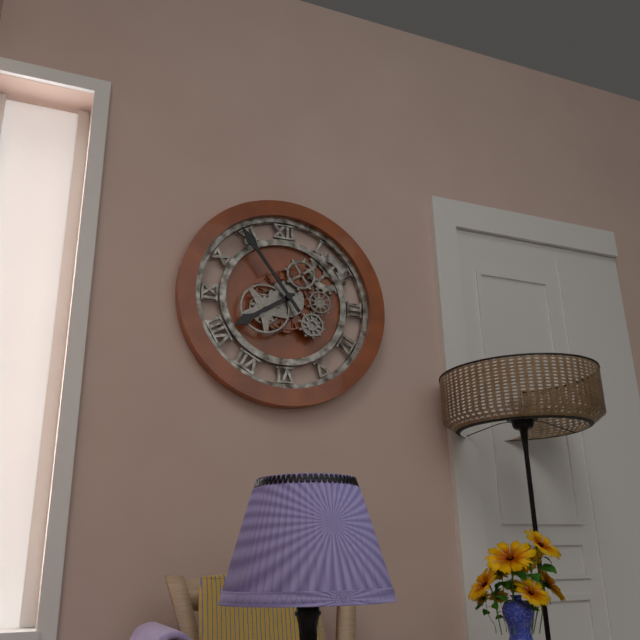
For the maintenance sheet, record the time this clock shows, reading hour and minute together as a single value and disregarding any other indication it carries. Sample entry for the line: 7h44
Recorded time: 7h54
